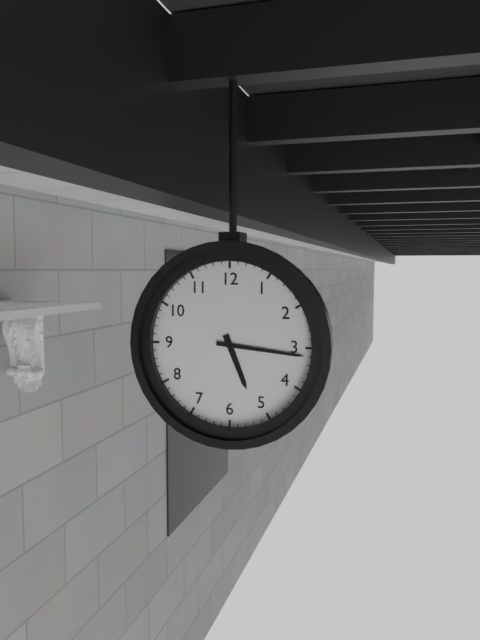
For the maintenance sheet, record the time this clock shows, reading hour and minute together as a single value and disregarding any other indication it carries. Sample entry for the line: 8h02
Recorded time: 5h16
